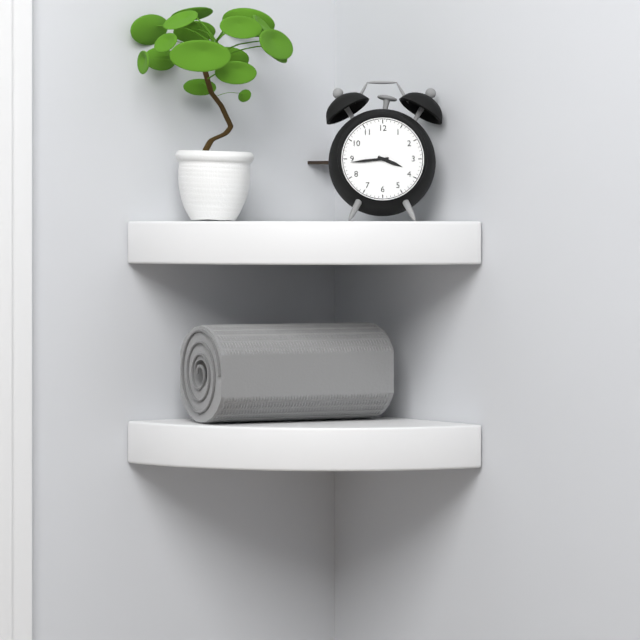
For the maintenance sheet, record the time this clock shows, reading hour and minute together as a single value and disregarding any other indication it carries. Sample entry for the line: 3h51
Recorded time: 3h44
